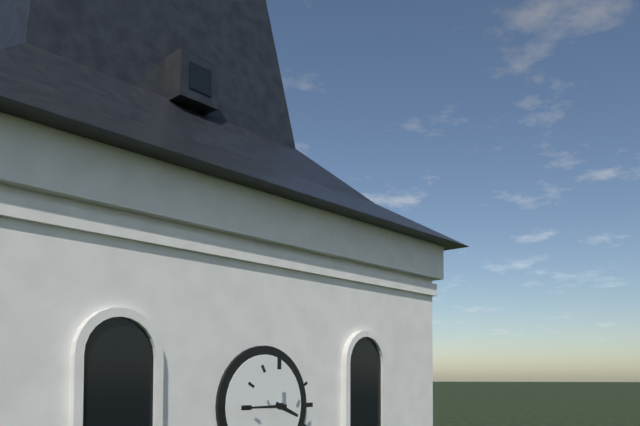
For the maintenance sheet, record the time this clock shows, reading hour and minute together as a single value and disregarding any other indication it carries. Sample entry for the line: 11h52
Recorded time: 3h45
